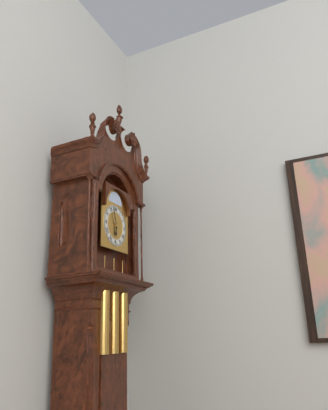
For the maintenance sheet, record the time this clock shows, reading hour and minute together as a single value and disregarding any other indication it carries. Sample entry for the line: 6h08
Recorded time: 5h57
